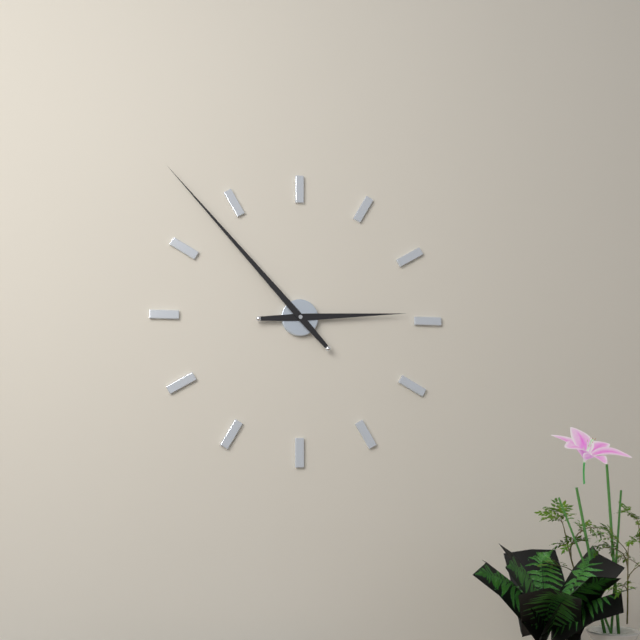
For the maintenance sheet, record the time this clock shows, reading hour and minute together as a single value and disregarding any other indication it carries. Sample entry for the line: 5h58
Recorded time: 2h53
